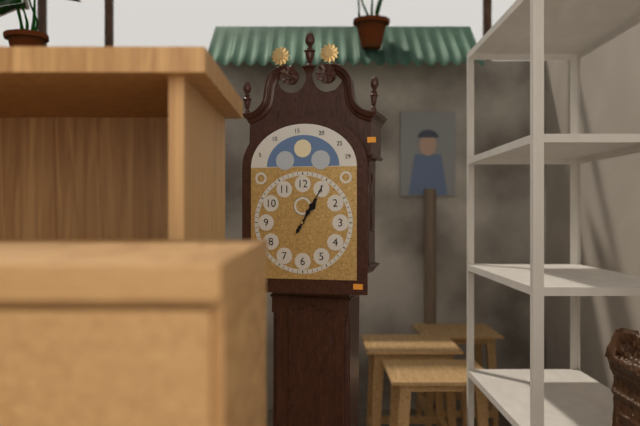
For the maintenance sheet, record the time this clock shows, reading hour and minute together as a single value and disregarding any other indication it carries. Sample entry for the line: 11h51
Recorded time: 1h05
